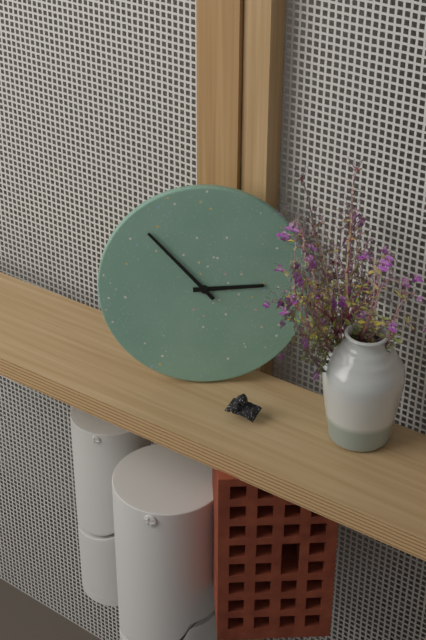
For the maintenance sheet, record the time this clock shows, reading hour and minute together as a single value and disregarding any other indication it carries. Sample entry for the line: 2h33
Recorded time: 2h53
